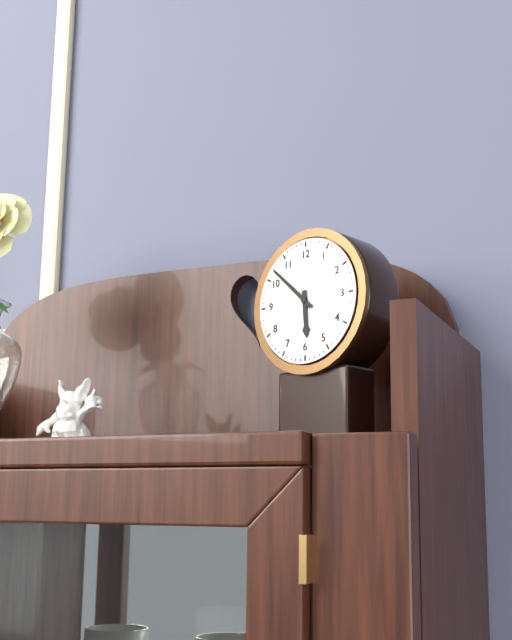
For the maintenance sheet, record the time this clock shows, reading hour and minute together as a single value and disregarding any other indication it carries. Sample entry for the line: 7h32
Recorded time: 5h52
